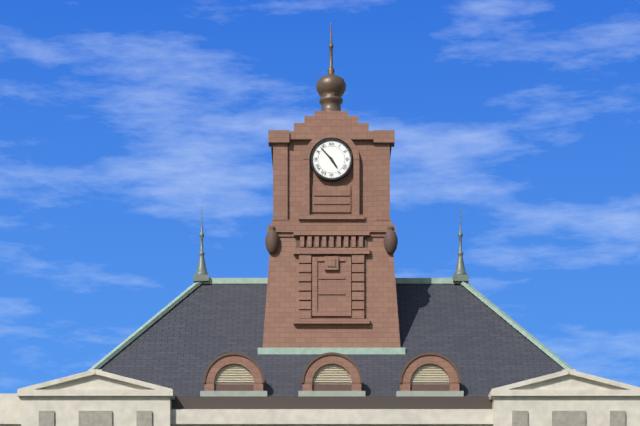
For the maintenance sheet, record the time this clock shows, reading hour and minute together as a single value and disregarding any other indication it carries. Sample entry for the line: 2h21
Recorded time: 4h53
